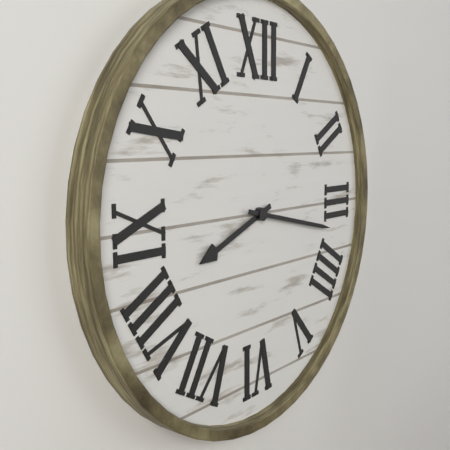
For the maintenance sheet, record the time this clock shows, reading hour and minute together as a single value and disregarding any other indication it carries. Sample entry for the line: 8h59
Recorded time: 8h17
